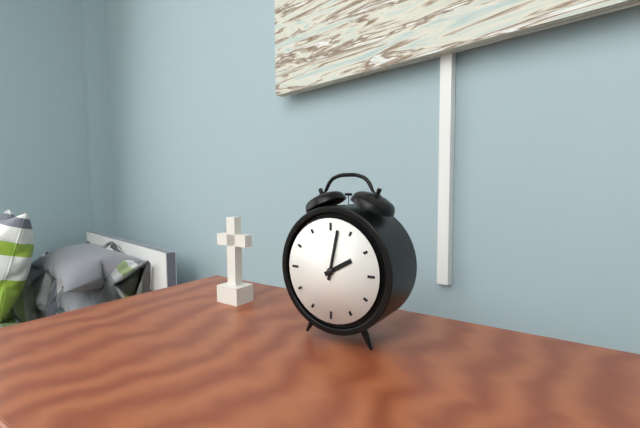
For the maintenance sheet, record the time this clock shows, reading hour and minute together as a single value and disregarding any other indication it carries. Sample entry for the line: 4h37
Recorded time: 2h02
